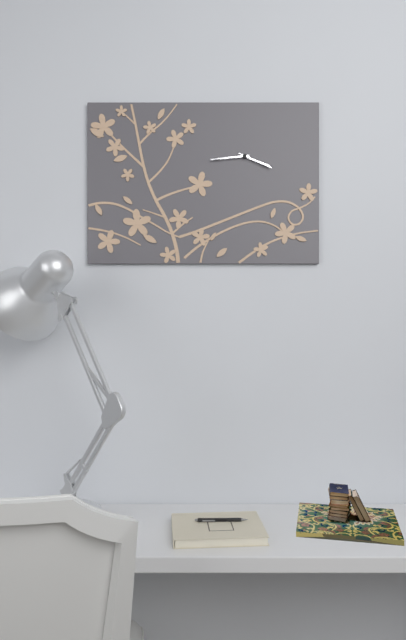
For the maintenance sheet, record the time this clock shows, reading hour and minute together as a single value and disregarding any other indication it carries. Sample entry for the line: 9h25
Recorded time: 3h44
